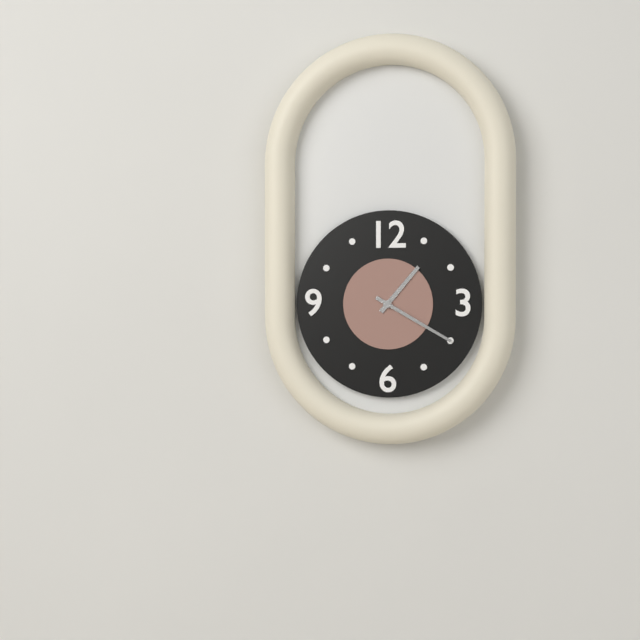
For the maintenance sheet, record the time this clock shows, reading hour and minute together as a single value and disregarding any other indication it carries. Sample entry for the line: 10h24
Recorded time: 1h20
